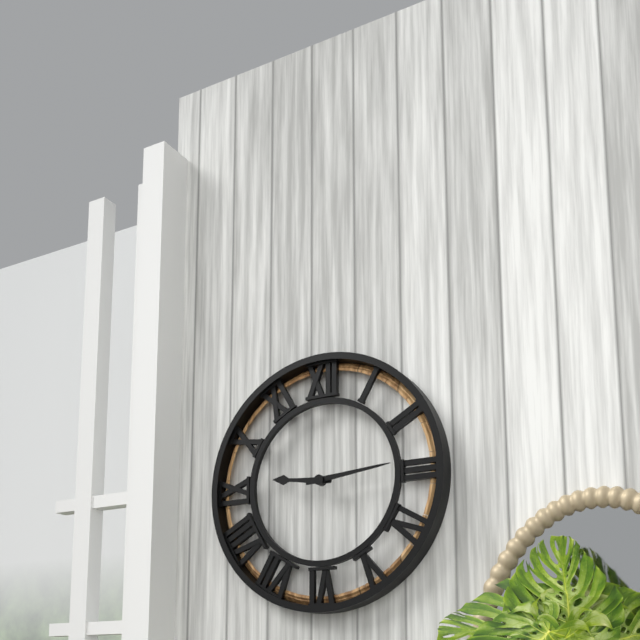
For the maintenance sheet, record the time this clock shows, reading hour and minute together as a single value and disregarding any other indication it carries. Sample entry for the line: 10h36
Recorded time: 9h14
